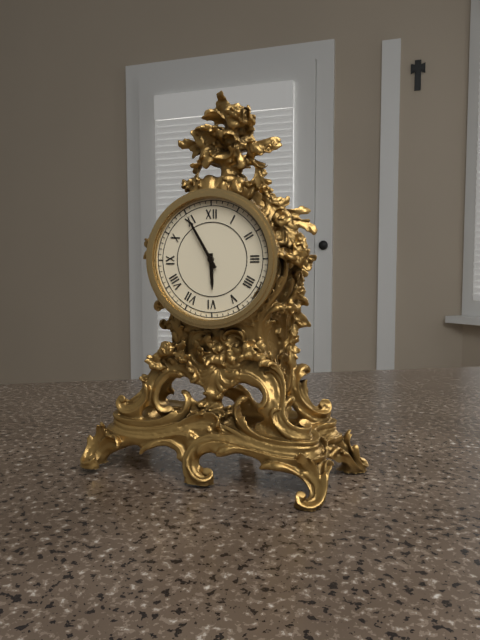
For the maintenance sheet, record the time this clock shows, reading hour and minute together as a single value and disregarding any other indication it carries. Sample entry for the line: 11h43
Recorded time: 5h55
